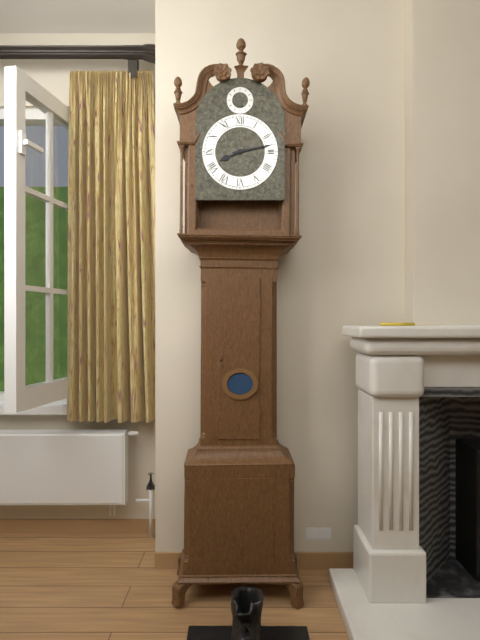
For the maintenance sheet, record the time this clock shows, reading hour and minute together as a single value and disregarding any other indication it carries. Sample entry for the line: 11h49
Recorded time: 8h13
